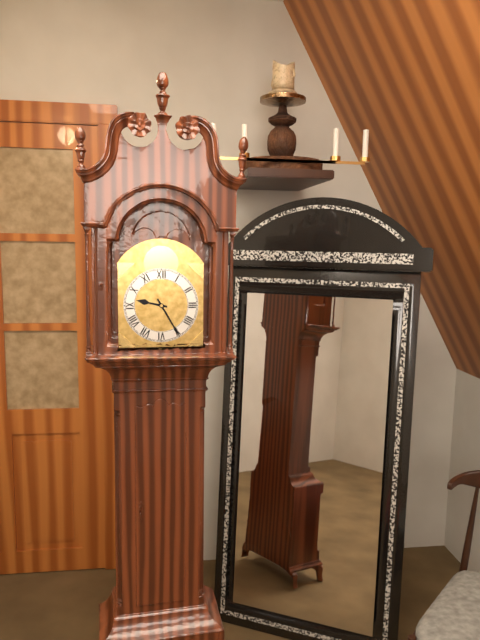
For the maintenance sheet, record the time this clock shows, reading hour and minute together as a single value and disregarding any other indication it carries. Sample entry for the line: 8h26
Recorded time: 9h25
